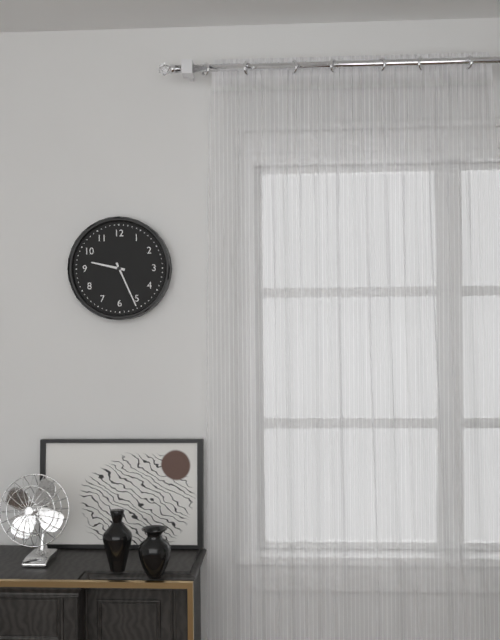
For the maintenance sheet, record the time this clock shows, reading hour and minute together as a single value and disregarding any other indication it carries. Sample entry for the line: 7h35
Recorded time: 9h26
